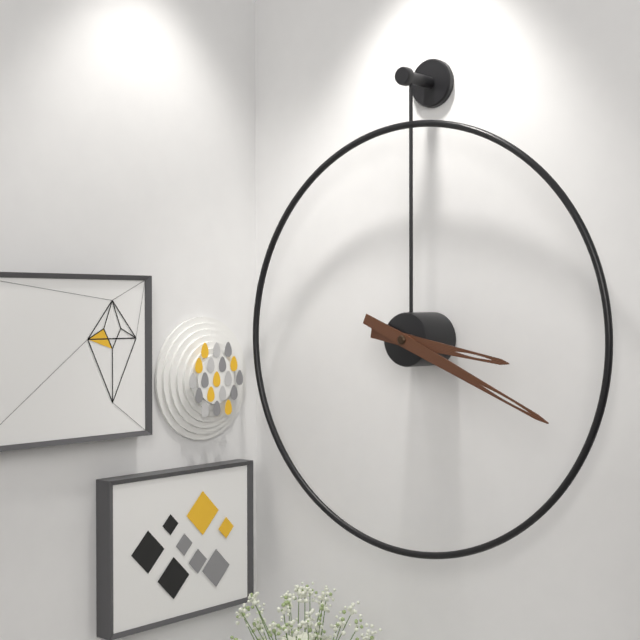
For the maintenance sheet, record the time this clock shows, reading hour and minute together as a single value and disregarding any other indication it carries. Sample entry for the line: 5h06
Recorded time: 3h19
